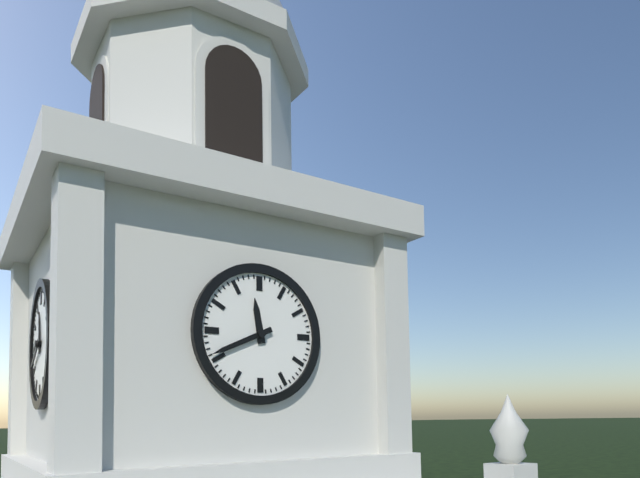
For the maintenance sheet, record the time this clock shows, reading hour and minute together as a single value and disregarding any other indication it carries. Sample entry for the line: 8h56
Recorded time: 11h41
